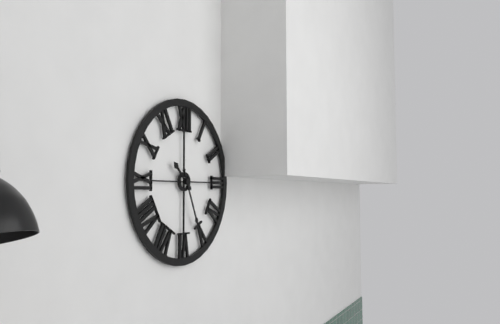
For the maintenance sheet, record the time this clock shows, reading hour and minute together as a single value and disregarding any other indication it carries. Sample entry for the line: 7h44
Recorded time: 10h26
